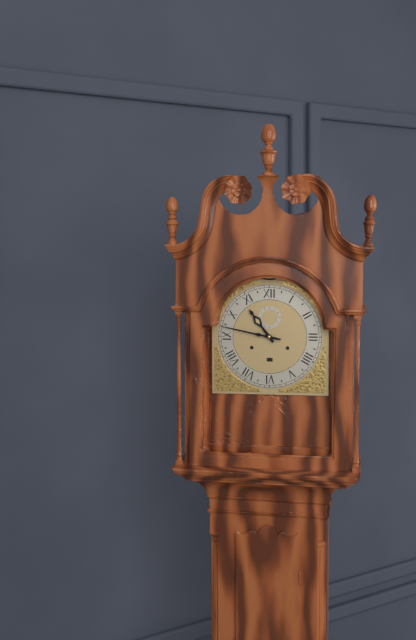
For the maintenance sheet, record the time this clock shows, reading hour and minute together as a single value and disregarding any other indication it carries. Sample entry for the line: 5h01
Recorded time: 10h47
